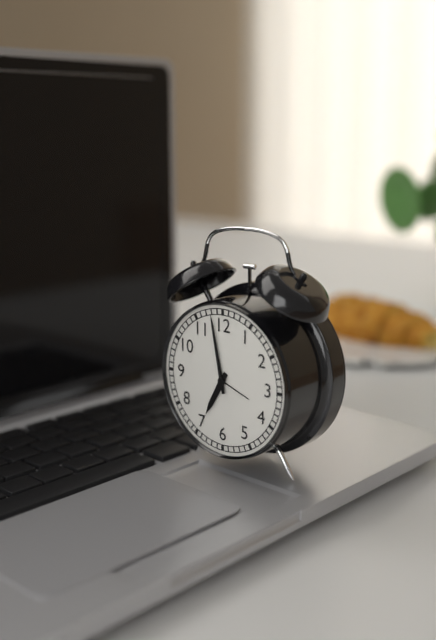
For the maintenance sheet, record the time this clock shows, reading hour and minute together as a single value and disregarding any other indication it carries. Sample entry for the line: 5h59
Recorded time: 6h58
